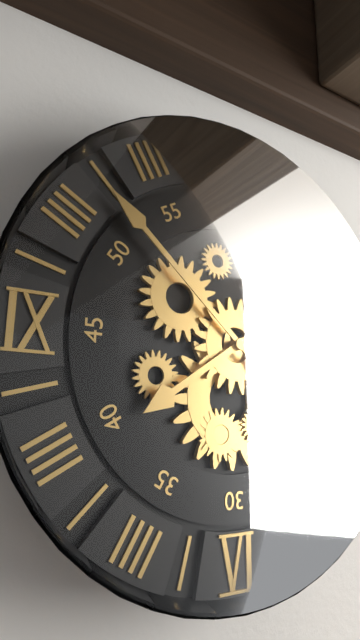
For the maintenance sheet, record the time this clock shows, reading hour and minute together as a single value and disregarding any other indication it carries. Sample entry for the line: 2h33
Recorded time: 7h52
